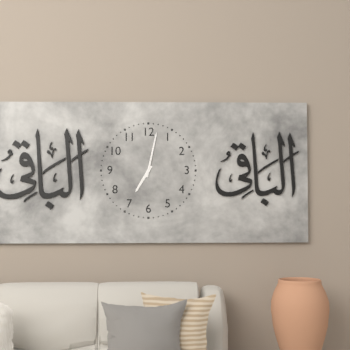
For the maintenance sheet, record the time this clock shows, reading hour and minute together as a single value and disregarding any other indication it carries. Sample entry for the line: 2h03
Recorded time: 7h02
